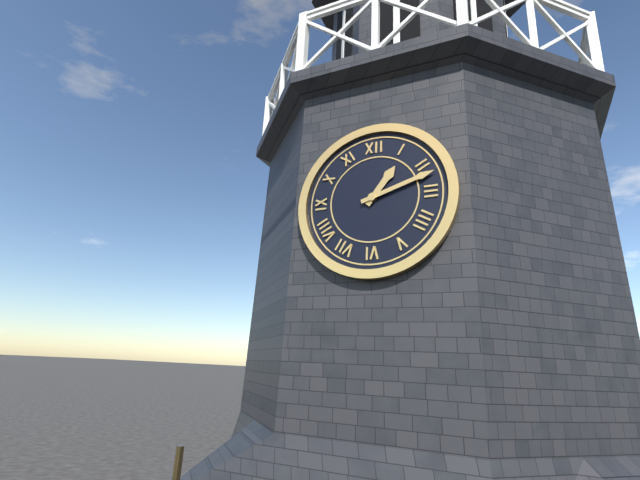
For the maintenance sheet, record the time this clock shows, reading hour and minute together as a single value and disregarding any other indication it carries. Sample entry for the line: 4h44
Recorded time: 1h12
